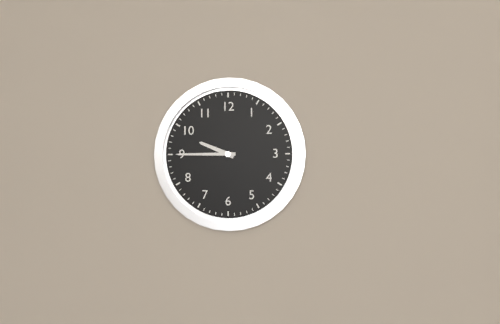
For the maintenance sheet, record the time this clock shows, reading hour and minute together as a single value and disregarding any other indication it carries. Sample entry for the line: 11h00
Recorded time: 9h45
